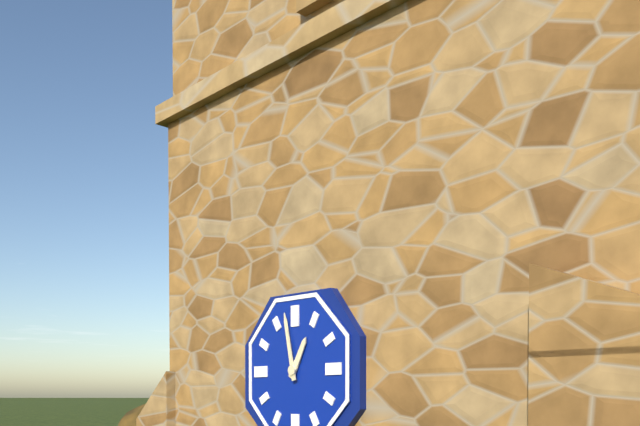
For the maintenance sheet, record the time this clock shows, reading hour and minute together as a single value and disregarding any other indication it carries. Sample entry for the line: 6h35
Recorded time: 12h58
